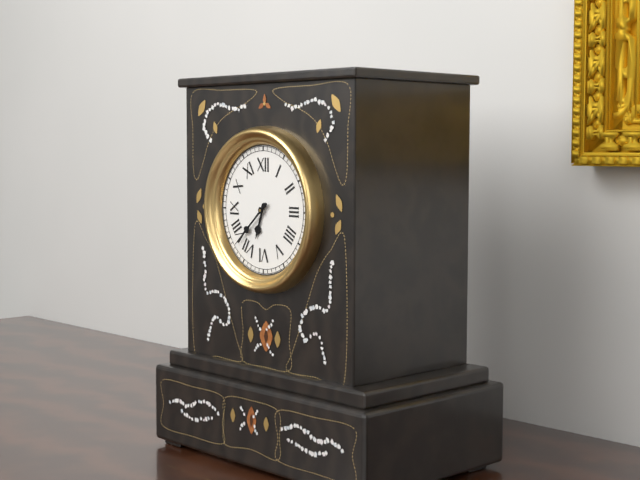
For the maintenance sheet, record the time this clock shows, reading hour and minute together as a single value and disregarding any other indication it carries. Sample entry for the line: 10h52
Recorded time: 6h38
